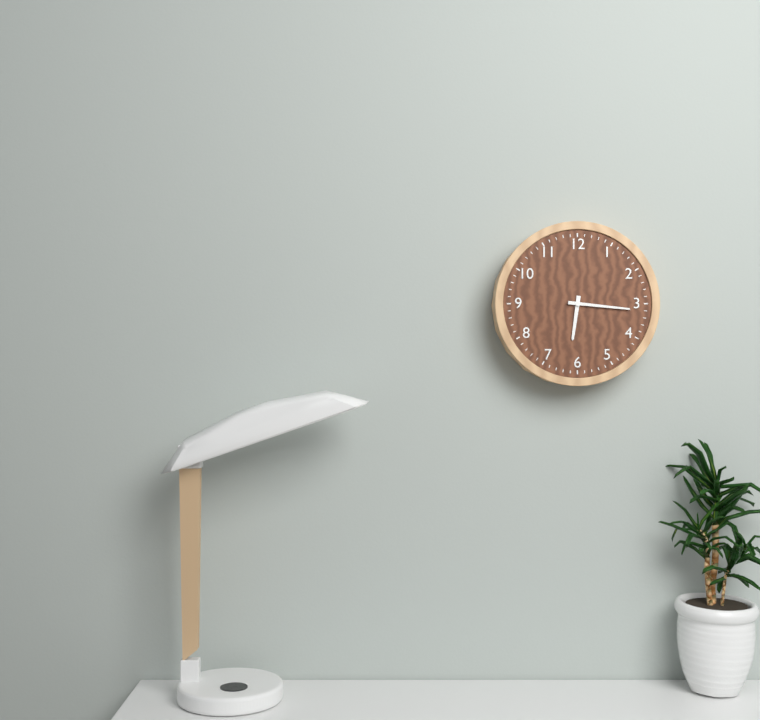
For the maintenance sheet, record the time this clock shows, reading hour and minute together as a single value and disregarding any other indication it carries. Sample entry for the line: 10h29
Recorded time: 6h16
